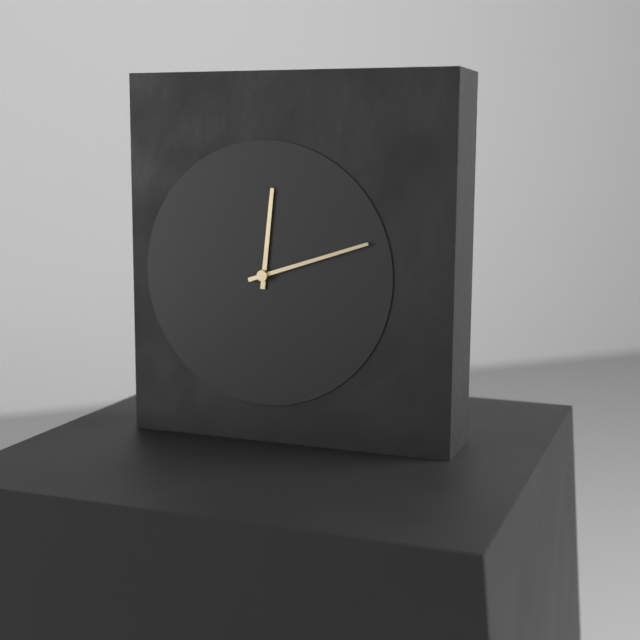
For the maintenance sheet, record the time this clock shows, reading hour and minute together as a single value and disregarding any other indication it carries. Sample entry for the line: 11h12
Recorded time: 12h12
